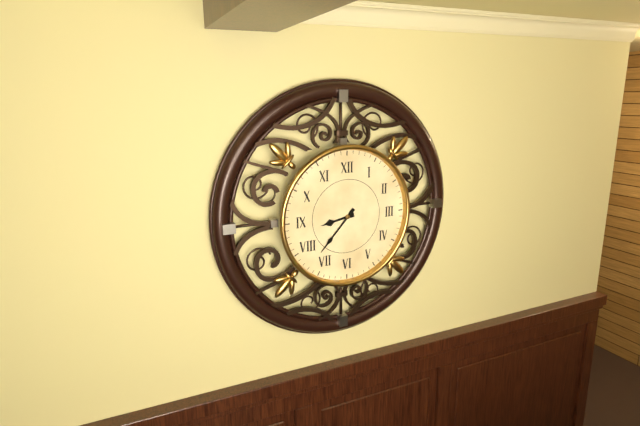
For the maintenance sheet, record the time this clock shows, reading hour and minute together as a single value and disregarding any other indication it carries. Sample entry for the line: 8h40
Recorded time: 8h37
